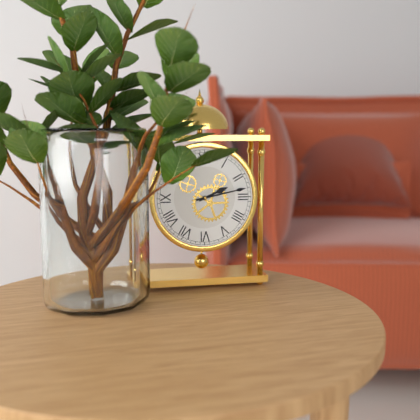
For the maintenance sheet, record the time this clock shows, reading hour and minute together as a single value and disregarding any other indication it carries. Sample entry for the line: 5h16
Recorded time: 2h13
